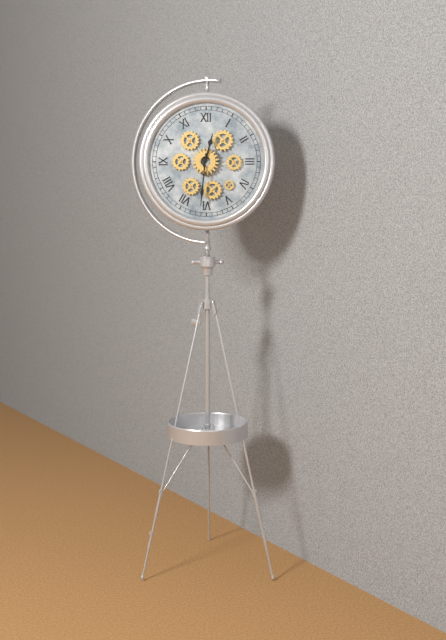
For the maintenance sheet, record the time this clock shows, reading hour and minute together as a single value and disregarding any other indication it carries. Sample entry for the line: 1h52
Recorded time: 12h31
